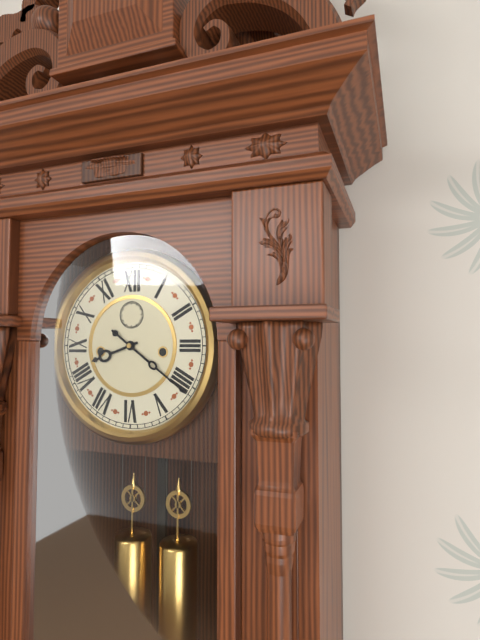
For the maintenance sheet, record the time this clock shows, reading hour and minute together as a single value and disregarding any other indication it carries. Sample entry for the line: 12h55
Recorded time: 8h21
